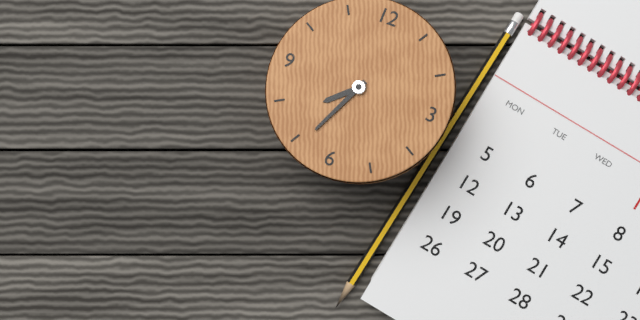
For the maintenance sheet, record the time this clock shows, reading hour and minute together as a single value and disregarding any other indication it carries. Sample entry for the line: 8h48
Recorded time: 7h34
